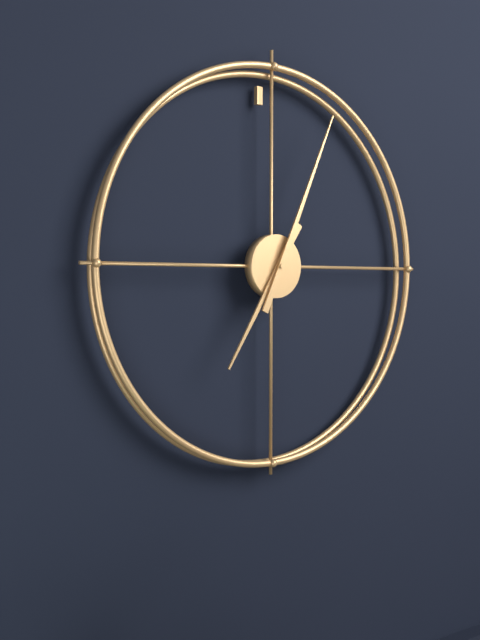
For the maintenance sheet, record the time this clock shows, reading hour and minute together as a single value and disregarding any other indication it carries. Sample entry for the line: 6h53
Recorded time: 7h04
